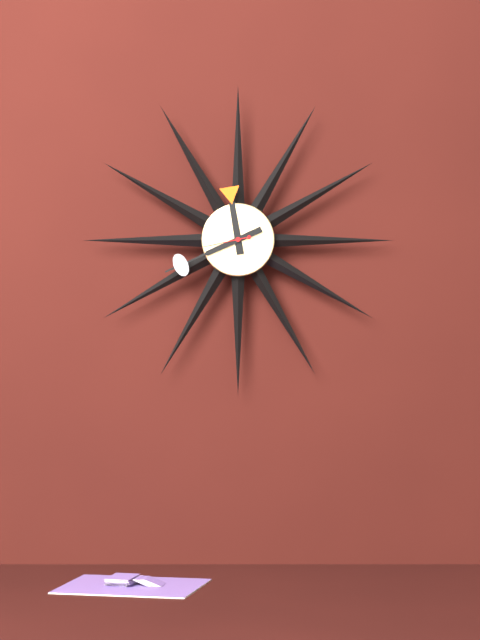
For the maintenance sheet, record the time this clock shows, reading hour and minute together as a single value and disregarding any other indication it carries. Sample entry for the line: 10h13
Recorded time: 11h41
